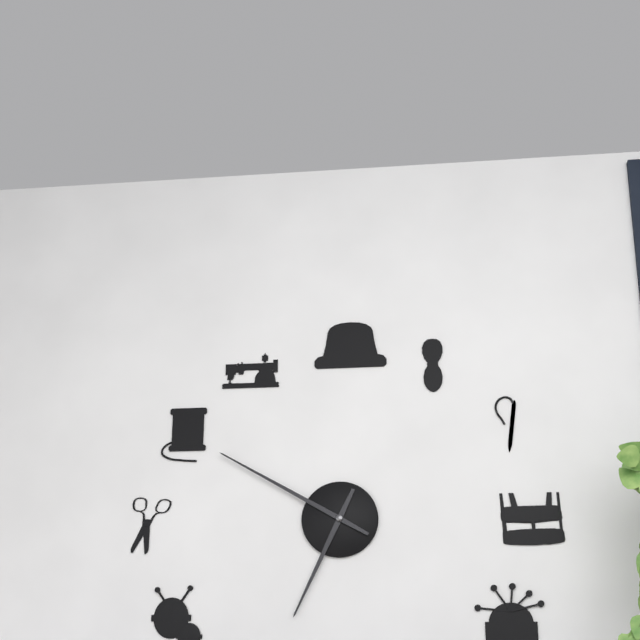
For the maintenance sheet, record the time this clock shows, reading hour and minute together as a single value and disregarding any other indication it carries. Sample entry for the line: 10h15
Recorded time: 6h50
